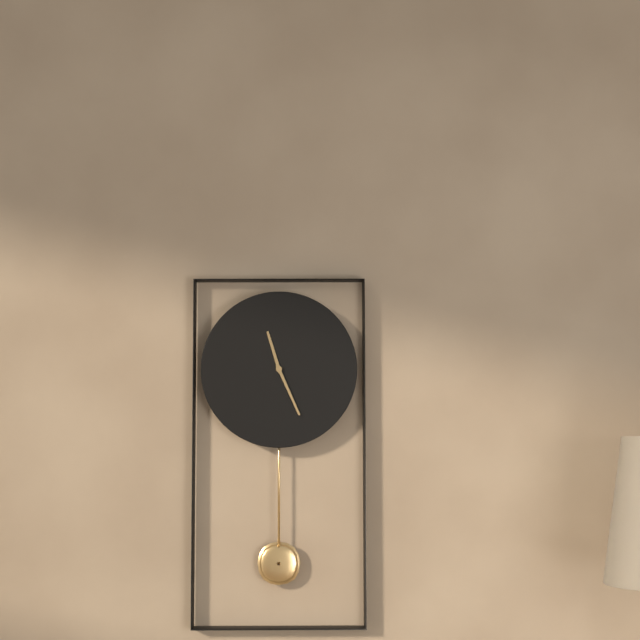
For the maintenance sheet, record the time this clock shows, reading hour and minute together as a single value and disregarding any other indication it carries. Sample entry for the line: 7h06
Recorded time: 11h26
